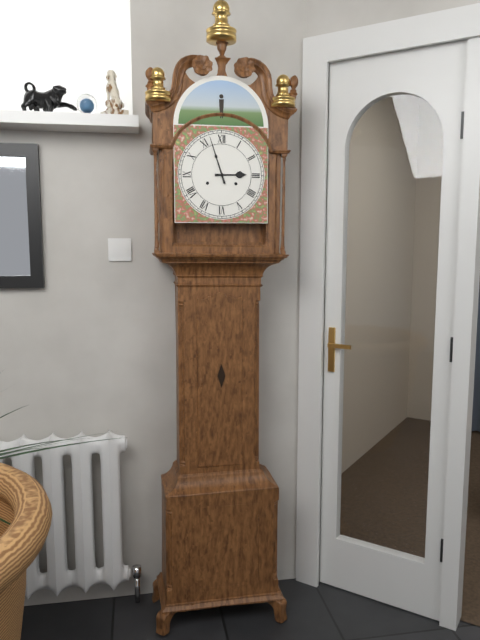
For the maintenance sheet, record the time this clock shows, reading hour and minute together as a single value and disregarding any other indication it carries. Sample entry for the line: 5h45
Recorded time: 2h57
